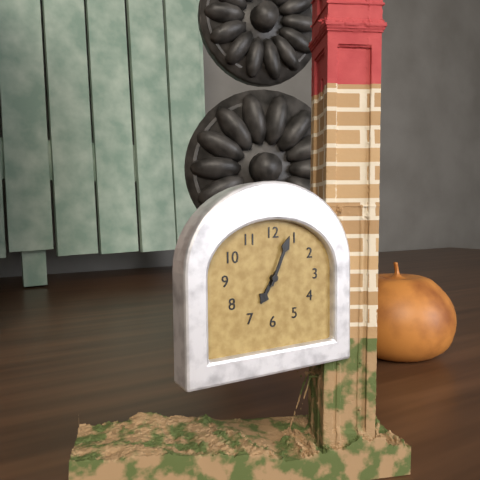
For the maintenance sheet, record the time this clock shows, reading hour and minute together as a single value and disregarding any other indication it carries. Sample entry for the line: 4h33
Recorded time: 7h04
